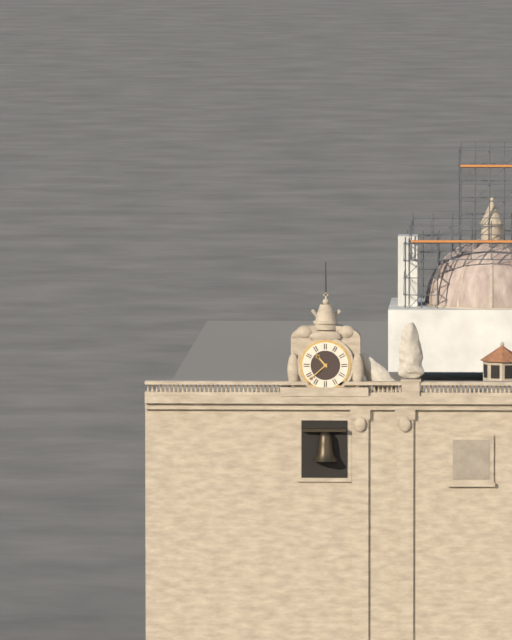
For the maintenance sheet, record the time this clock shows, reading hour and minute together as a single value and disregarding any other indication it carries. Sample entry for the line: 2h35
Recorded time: 10h38
